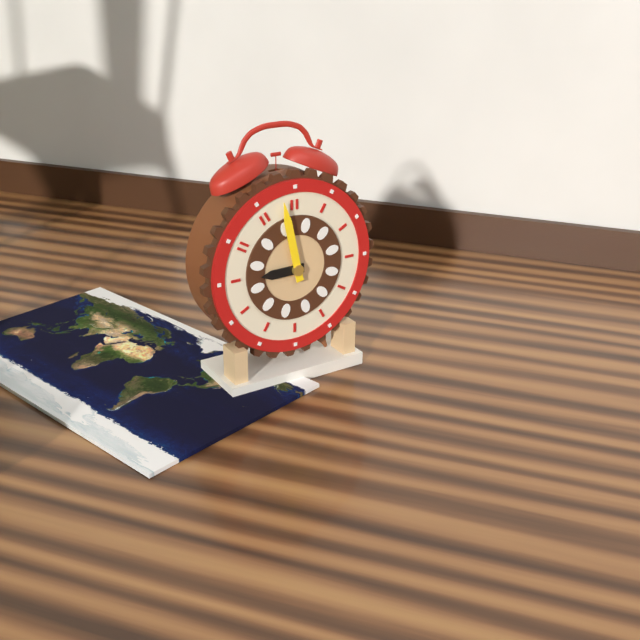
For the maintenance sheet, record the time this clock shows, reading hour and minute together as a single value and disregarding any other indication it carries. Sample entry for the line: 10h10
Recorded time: 8h58
